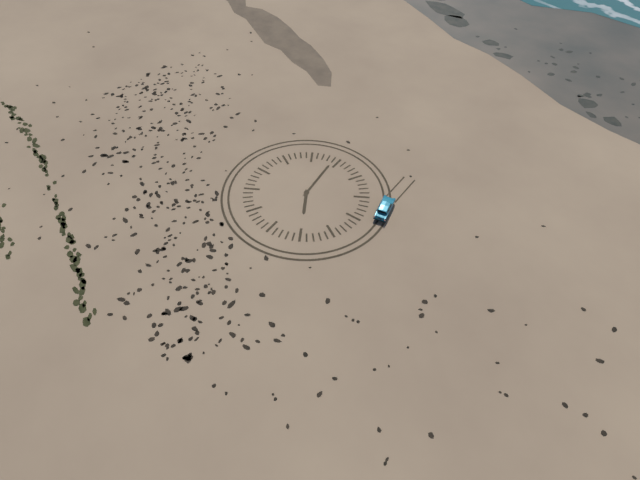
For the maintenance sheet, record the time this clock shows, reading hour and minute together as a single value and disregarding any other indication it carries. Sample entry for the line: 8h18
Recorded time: 4h59
